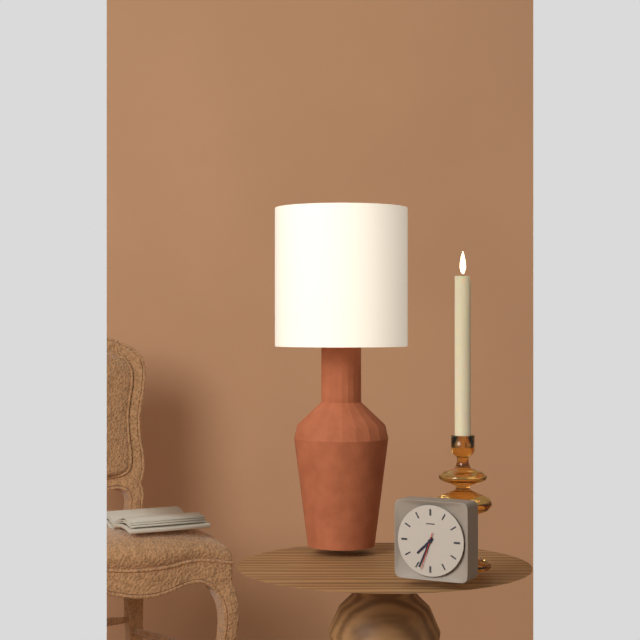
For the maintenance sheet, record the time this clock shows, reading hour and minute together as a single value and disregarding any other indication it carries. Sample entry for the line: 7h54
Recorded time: 7h34
